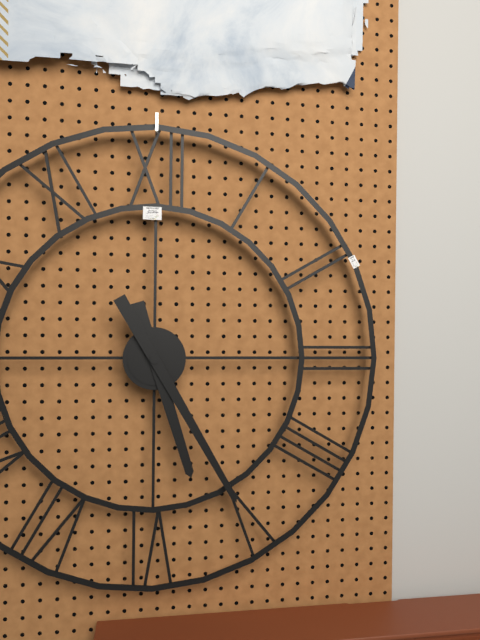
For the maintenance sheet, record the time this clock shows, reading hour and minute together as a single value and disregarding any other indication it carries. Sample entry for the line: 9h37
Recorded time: 5h25
